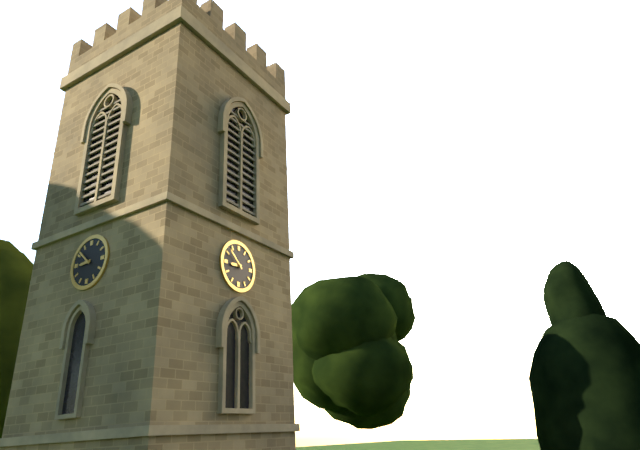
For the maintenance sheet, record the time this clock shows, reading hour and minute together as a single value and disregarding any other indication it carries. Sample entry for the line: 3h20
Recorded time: 8h52
